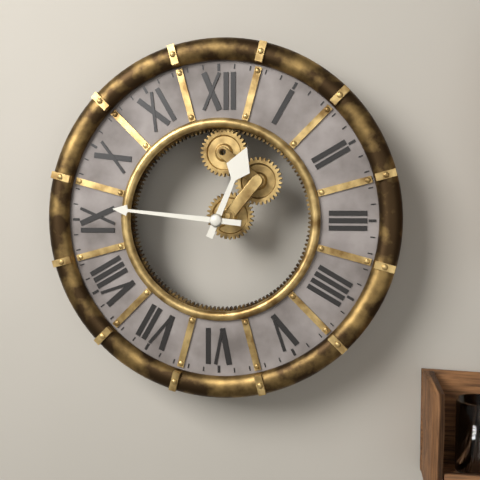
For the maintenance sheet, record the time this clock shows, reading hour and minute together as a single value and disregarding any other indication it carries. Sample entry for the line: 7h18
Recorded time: 12h46
